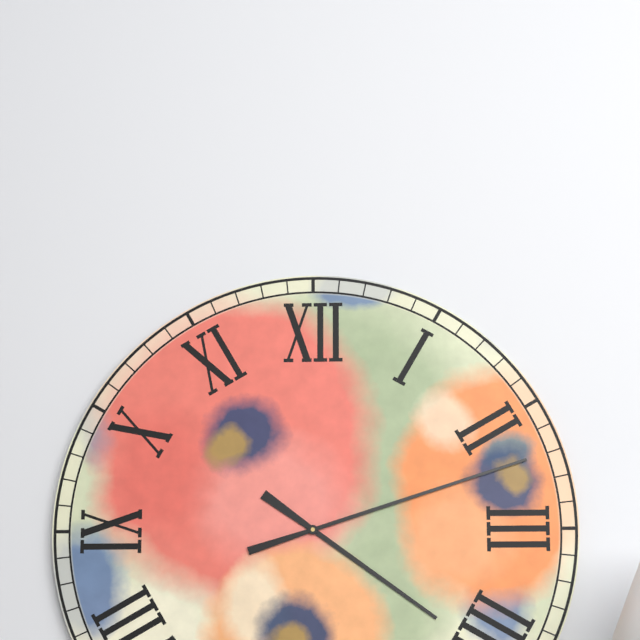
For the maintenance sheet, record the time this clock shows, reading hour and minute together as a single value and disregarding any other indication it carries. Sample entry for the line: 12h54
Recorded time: 4h12
